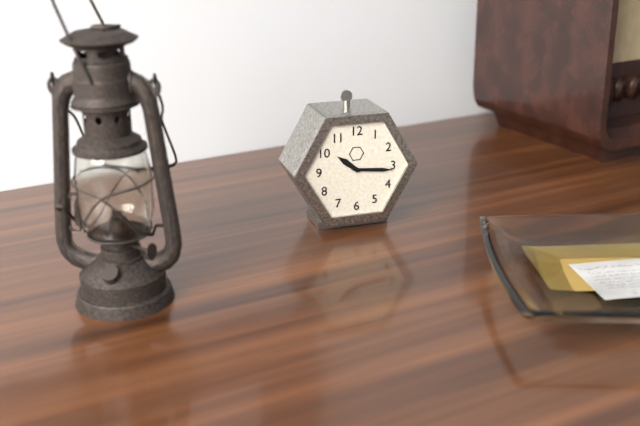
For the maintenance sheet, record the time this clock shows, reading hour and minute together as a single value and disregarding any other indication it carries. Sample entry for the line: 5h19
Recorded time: 10h16
